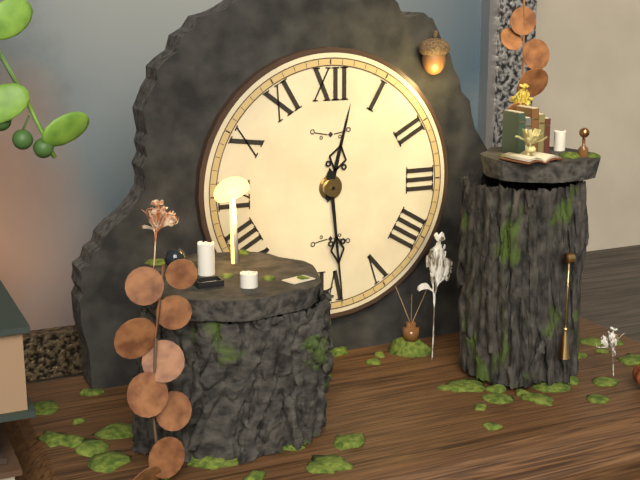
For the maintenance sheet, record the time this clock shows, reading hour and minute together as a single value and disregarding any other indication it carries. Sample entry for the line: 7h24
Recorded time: 12h29
